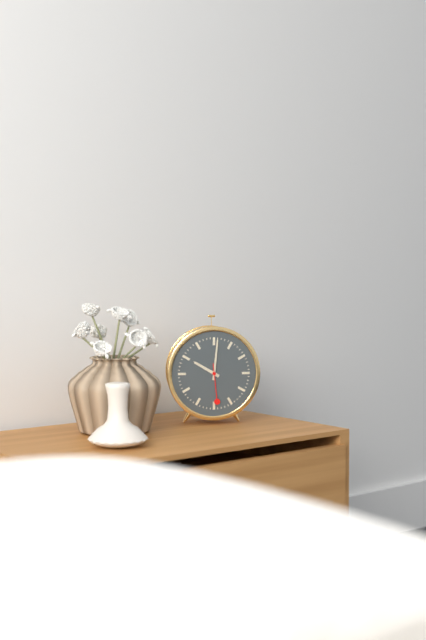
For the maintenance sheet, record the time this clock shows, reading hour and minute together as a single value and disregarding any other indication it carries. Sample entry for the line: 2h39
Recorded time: 10h01
